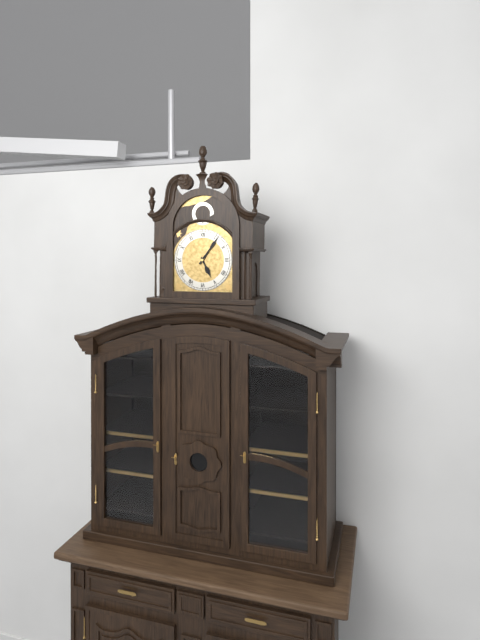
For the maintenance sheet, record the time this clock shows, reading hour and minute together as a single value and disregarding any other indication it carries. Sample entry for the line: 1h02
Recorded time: 5h06
